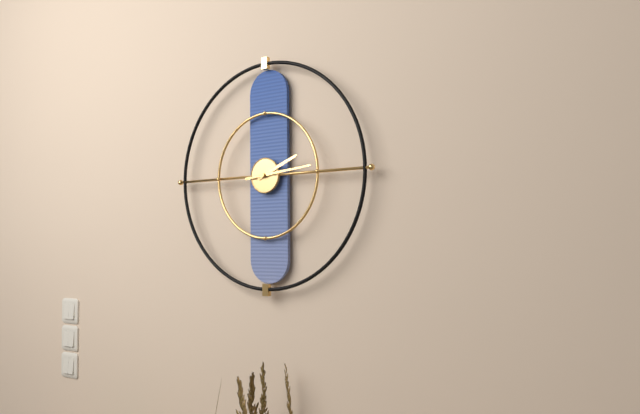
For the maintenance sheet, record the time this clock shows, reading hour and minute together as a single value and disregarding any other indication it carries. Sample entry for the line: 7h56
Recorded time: 2h14
